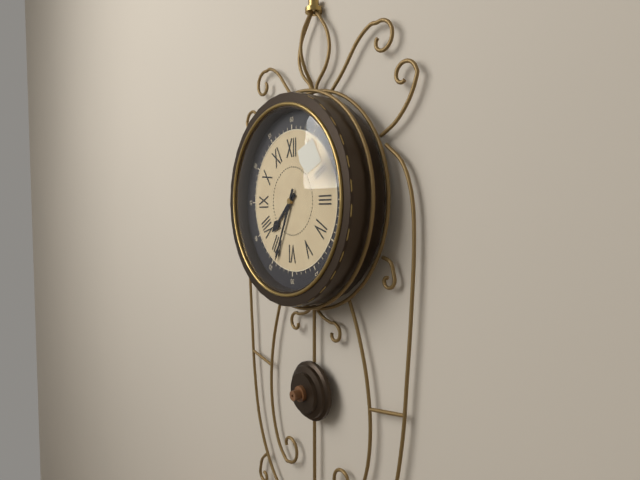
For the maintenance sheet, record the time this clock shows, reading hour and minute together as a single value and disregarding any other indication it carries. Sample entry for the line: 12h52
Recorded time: 7h34
